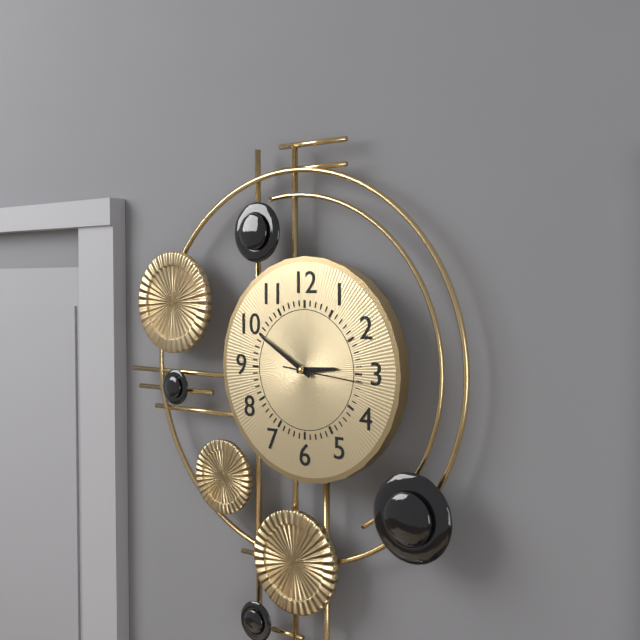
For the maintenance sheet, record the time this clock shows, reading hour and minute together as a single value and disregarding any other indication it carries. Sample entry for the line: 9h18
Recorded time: 2h50
